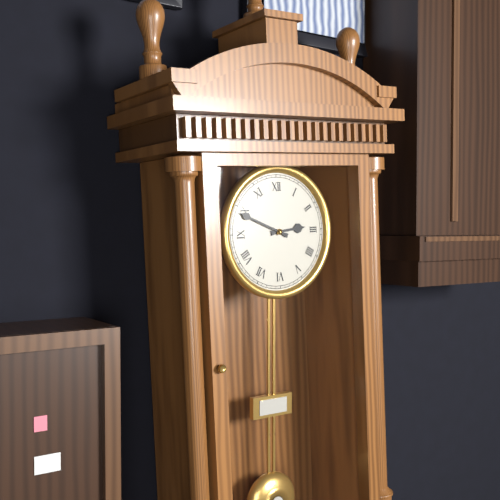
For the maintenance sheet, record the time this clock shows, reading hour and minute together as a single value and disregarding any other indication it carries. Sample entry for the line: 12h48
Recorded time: 2h49
